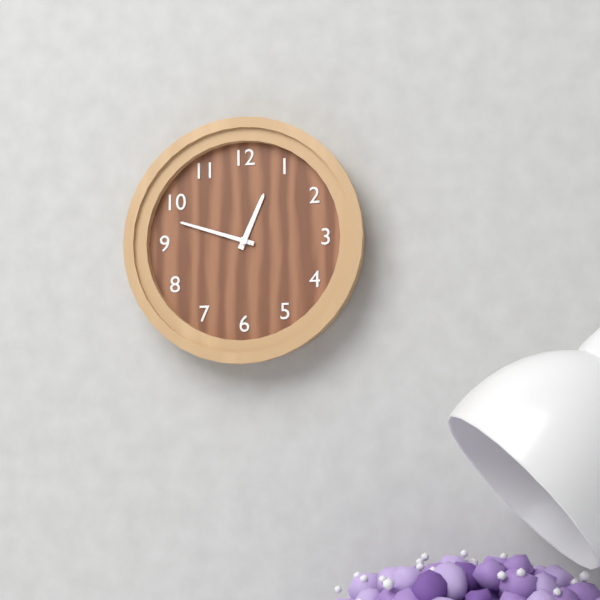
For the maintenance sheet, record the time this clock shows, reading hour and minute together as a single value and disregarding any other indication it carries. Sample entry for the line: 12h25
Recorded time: 12h48
